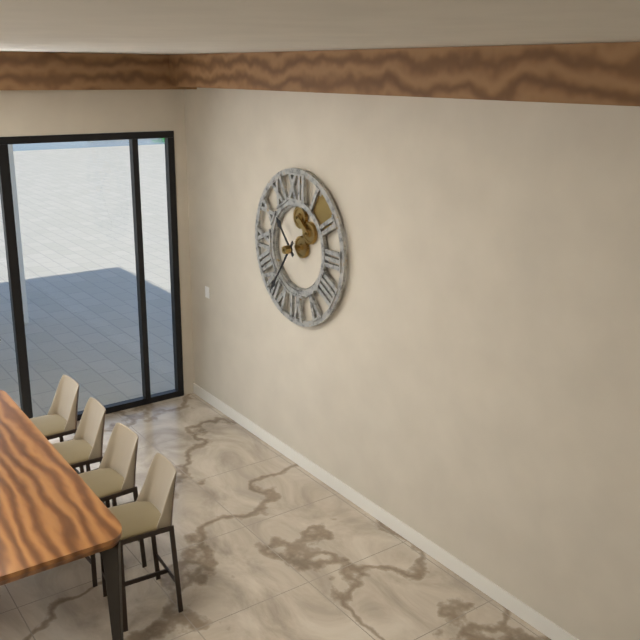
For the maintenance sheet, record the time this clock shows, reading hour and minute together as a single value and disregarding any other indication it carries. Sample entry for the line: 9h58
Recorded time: 10h36
